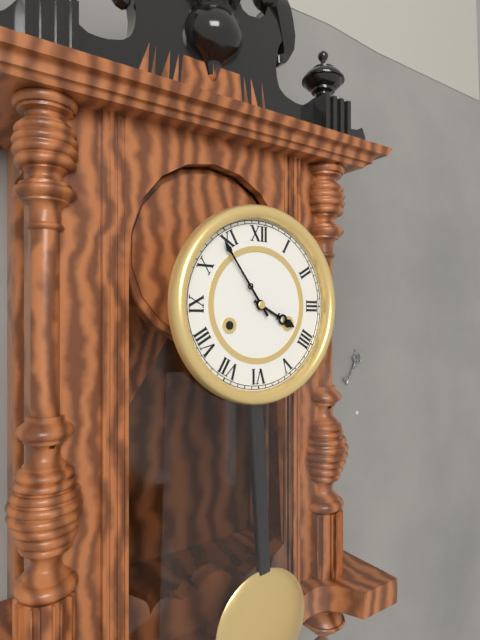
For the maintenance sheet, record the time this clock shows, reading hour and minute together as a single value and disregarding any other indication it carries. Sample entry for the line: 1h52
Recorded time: 3h54
